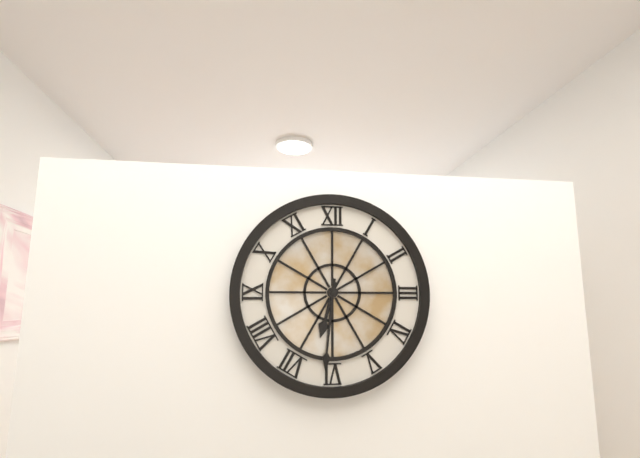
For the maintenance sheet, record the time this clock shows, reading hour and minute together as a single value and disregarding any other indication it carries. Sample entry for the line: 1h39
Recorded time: 6h31
